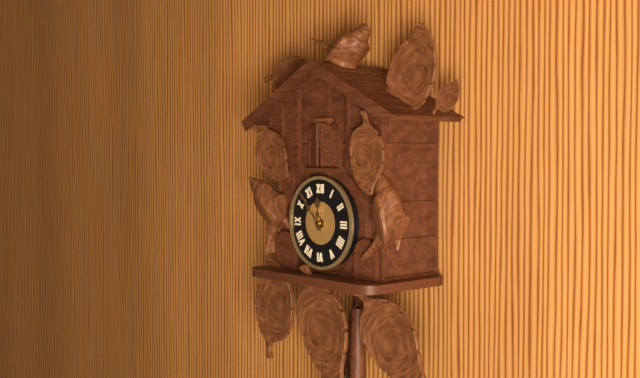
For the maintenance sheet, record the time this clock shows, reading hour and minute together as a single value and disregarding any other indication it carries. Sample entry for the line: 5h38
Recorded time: 11h53
